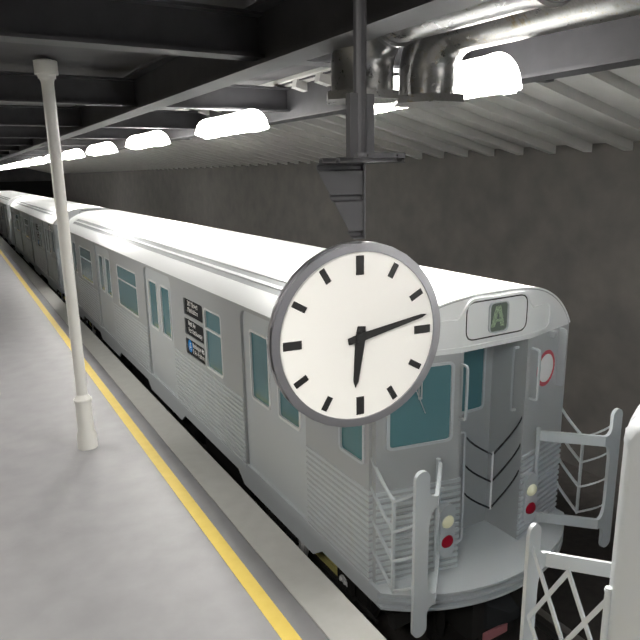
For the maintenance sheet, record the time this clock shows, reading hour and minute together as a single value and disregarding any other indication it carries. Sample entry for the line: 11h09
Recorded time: 6h13
